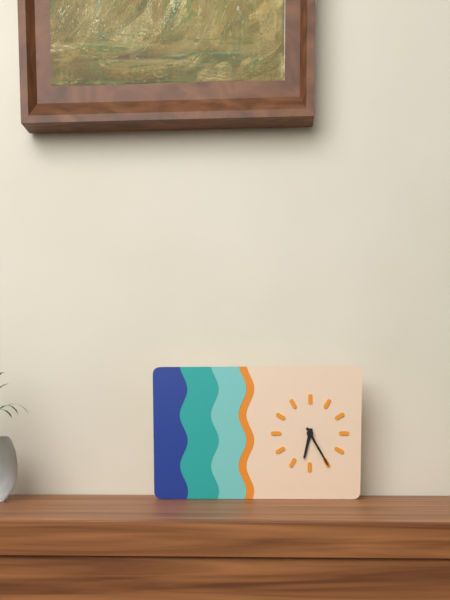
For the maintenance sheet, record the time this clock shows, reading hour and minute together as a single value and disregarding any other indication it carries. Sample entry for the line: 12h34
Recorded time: 6h25
